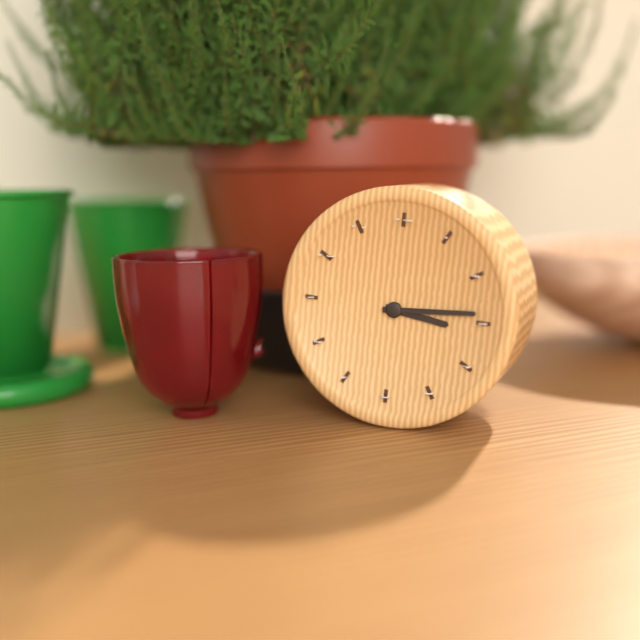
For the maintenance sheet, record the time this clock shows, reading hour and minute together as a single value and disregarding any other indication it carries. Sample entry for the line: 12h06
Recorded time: 3h14
